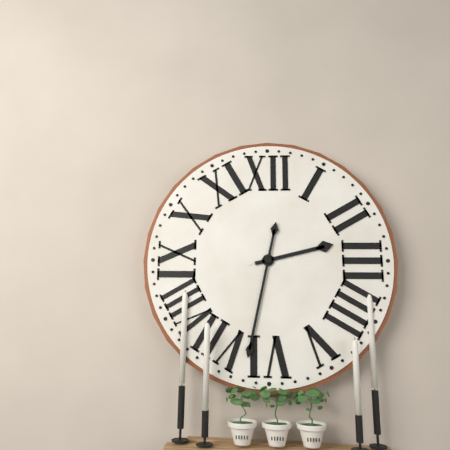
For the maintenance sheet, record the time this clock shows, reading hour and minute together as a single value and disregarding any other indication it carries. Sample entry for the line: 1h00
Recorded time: 2h32
